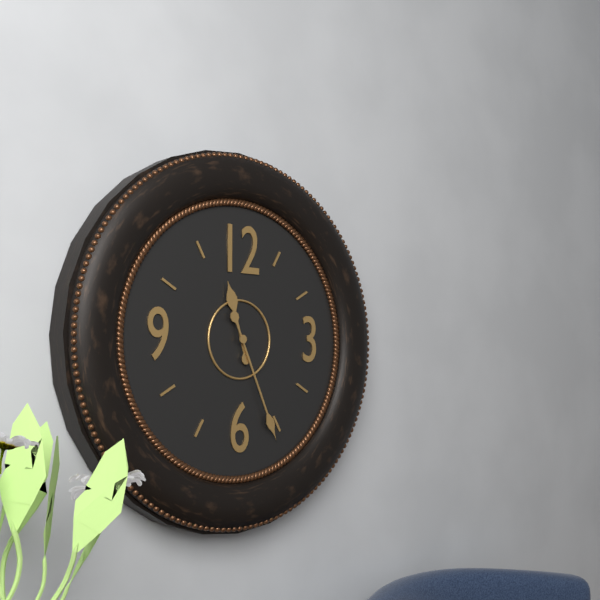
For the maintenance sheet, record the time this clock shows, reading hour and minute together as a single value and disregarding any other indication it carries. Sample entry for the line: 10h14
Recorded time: 11h26
